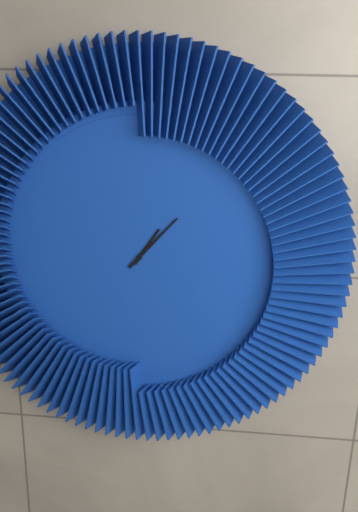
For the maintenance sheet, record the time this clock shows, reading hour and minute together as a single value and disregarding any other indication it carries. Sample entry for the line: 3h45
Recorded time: 1h07
